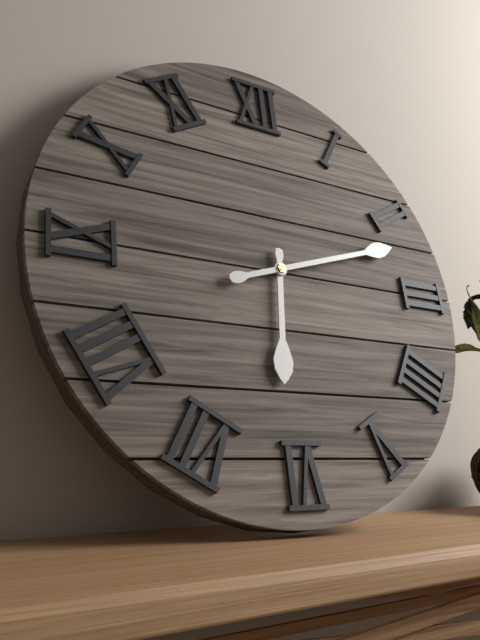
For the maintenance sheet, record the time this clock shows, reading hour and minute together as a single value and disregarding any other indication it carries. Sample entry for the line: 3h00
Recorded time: 6h12
